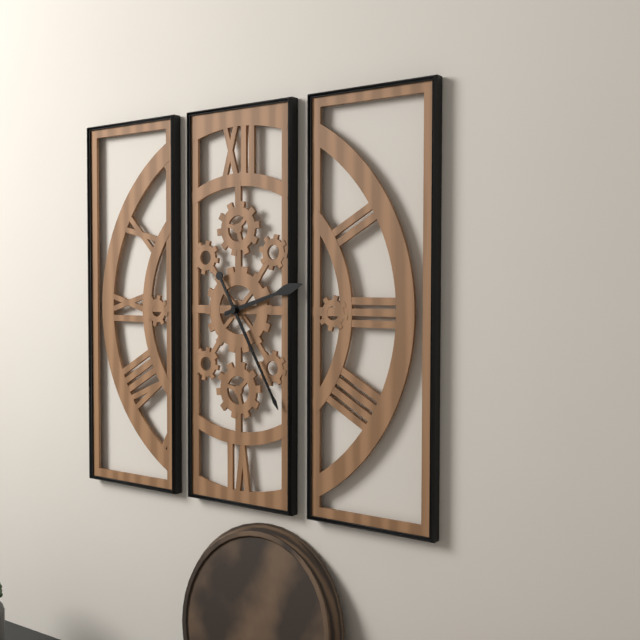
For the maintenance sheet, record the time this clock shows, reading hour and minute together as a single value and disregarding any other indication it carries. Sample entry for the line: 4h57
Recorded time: 2h25
